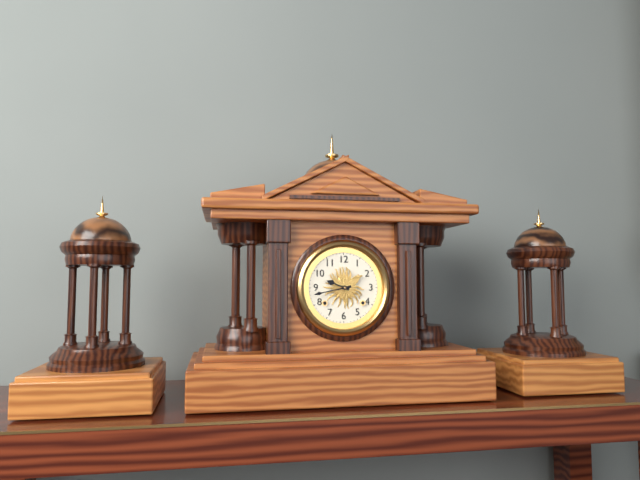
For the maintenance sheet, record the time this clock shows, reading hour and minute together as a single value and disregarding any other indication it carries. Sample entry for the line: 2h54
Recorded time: 9h43
